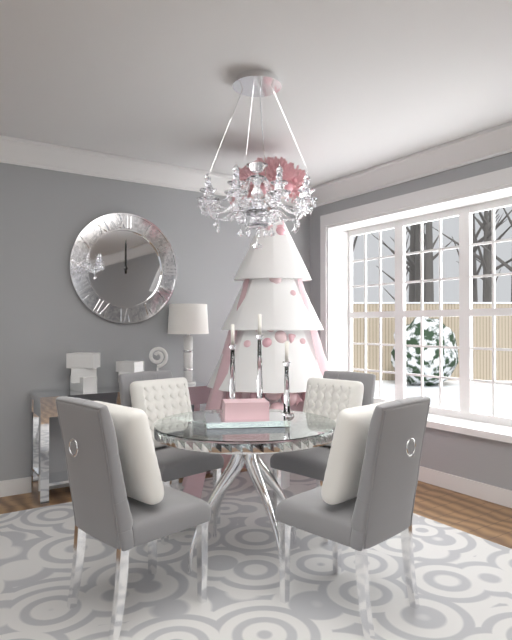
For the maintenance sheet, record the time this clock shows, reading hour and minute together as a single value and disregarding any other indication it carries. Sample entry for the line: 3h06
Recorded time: 12h00
